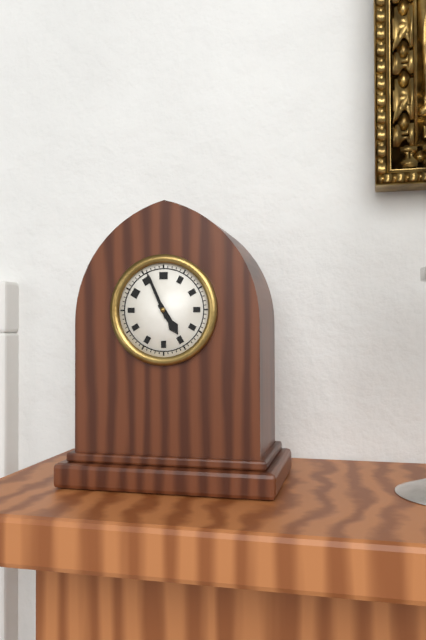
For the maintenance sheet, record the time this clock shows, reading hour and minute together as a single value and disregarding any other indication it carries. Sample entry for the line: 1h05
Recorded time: 4h56
